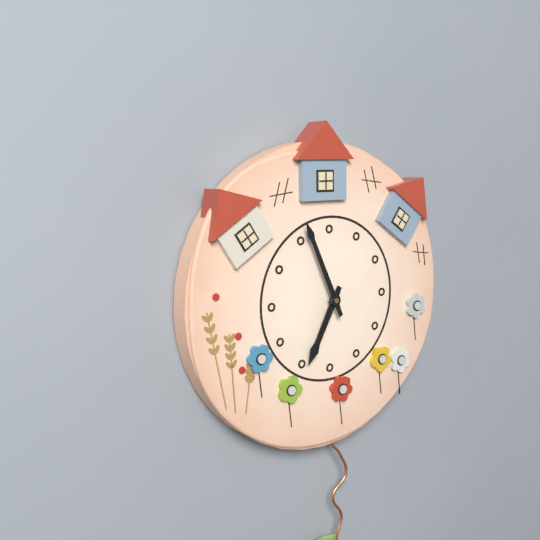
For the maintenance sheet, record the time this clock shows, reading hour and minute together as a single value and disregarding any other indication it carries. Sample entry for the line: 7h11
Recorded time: 6h56
